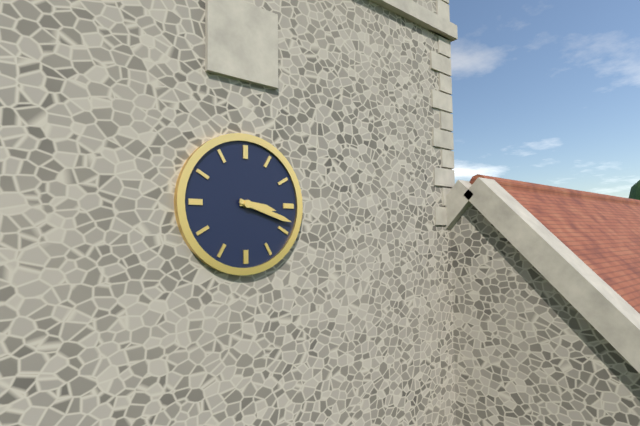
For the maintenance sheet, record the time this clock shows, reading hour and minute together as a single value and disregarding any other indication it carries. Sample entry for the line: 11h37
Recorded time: 3h18
